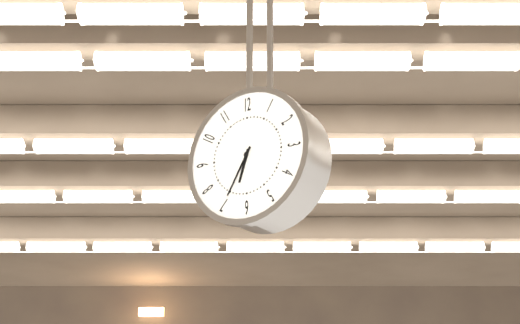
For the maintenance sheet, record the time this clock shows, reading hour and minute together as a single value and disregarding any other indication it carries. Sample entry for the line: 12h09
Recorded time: 6h35
